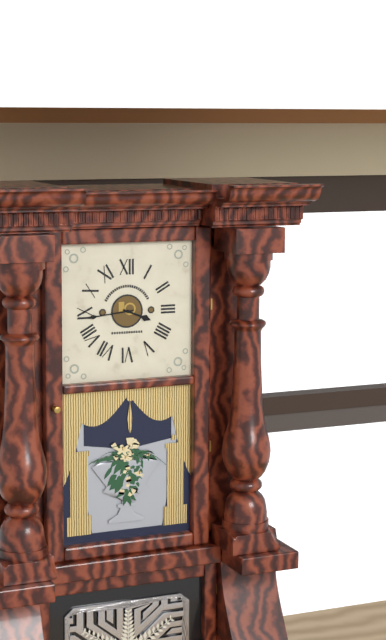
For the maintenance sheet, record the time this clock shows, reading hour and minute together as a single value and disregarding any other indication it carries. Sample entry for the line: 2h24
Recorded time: 3h44
